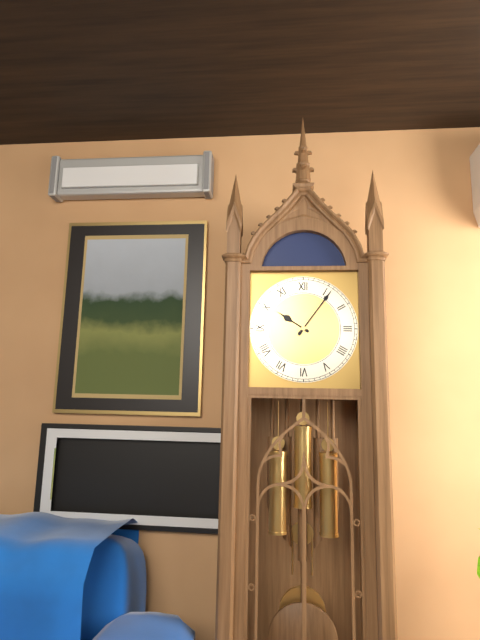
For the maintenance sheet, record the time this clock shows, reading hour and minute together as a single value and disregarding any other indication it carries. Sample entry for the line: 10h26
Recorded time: 10h06
